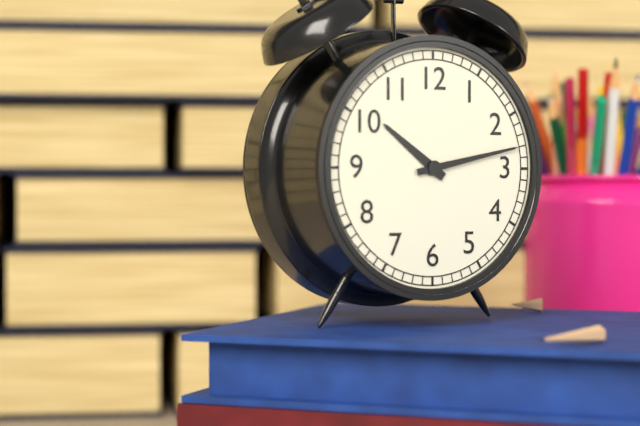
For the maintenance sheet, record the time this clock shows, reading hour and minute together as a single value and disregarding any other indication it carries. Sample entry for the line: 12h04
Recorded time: 10h13
